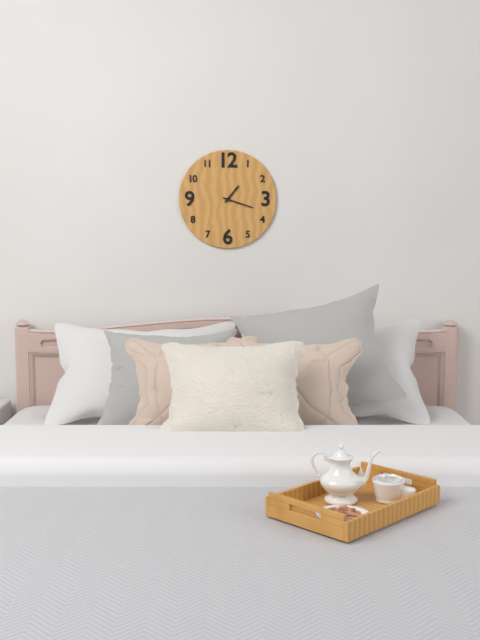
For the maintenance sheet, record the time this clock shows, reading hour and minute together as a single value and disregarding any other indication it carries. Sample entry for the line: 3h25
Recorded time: 1h18
